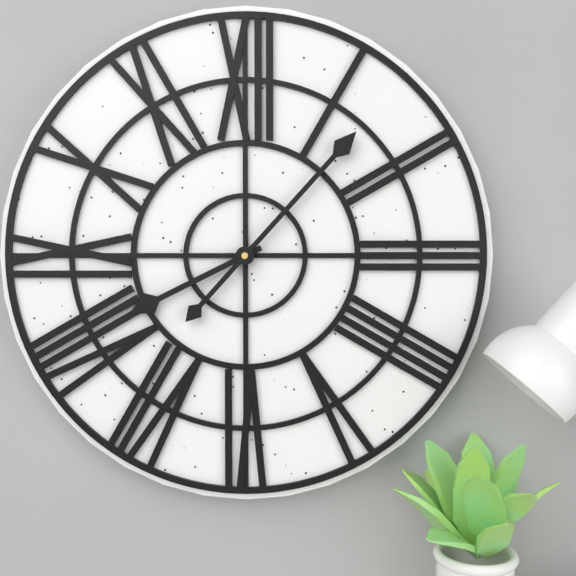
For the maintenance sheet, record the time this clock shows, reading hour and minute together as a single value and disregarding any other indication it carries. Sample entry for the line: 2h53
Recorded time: 8h07
